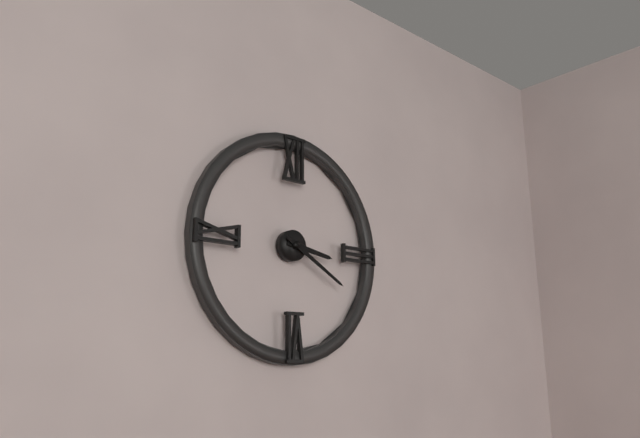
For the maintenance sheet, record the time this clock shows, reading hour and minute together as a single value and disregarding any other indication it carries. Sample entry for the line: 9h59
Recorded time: 3h20
